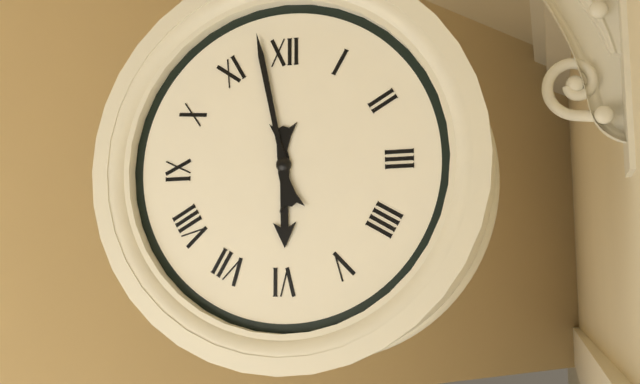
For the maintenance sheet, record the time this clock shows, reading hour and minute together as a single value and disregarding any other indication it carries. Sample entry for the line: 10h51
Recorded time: 5h58
